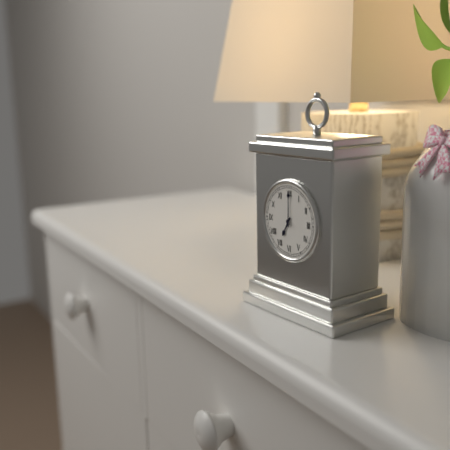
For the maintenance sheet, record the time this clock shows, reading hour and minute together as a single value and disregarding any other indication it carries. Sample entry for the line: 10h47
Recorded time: 7h00
